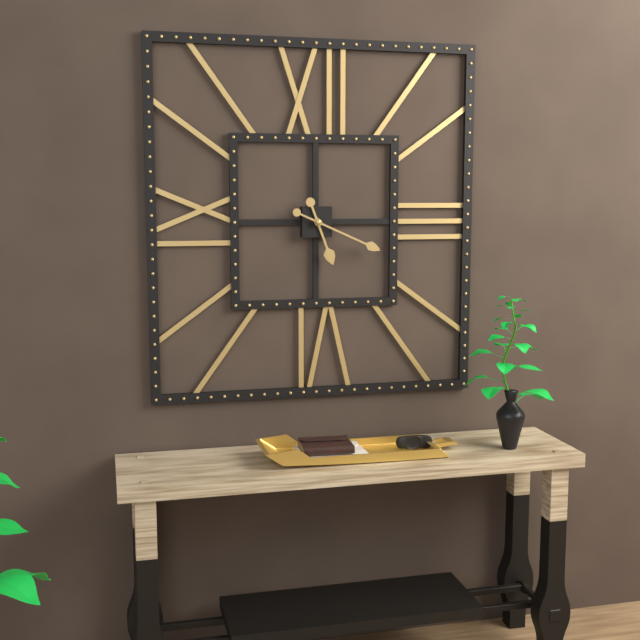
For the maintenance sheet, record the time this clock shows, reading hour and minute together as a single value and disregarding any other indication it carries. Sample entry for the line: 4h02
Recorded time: 5h19
